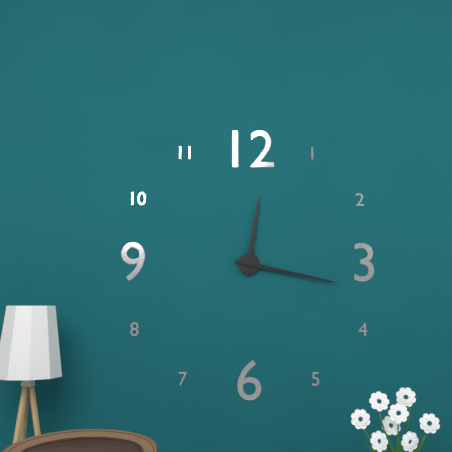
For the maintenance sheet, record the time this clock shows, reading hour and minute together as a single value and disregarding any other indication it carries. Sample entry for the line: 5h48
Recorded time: 12h17
